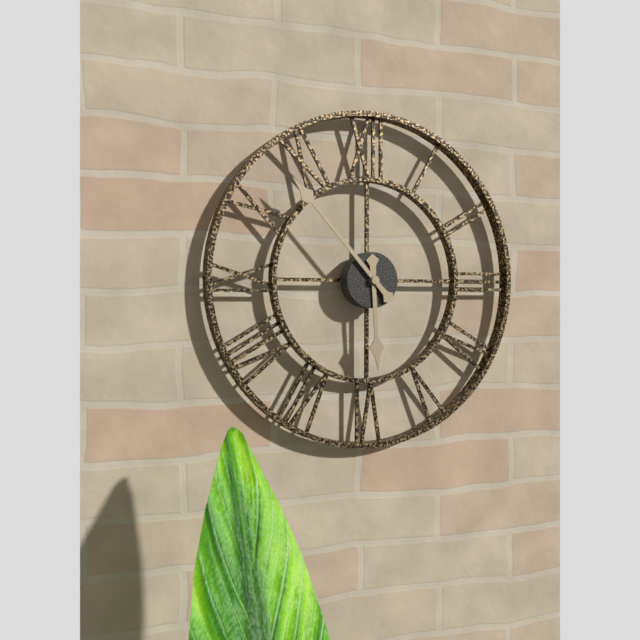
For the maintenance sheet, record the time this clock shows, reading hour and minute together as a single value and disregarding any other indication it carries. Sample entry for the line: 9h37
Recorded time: 5h53
